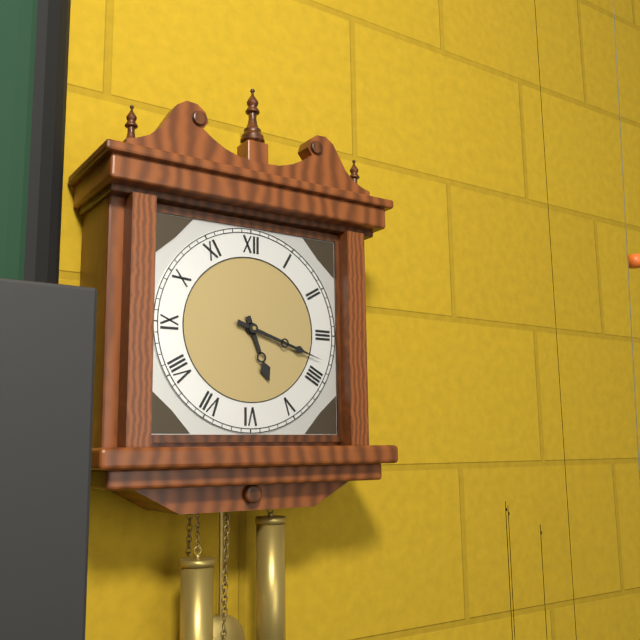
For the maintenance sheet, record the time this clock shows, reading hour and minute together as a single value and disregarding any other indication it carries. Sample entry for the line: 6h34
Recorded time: 5h18
